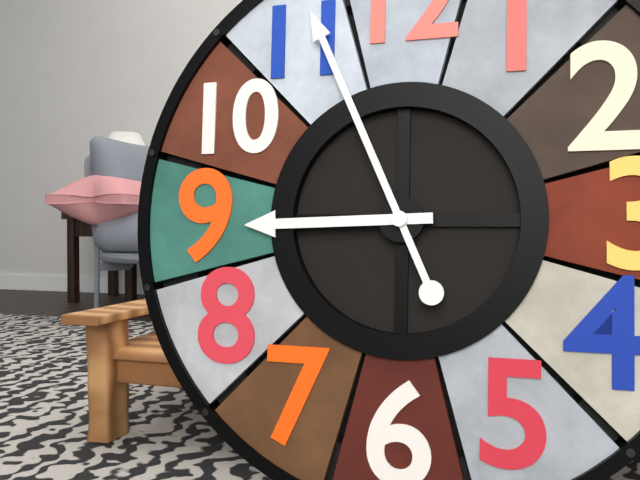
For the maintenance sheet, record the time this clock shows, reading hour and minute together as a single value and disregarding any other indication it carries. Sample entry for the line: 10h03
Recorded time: 8h56
